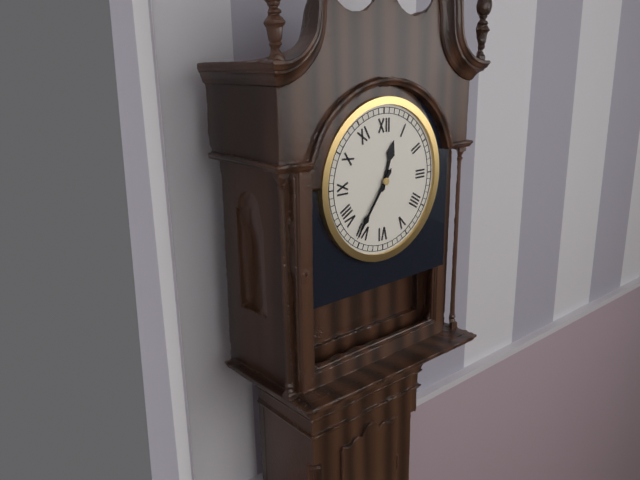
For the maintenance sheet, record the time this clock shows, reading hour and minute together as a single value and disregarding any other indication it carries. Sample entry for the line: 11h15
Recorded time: 12h36
